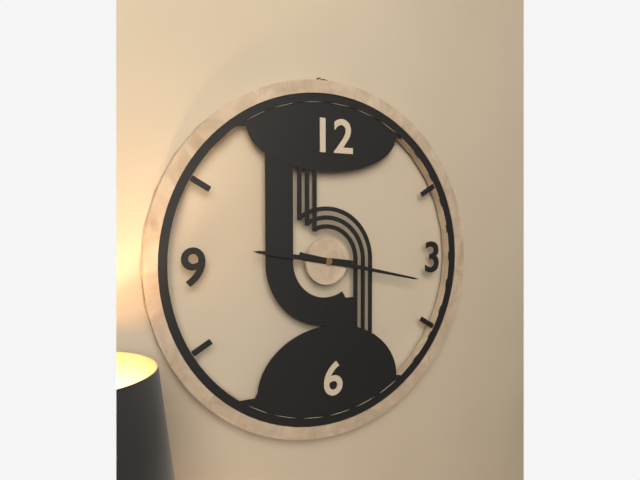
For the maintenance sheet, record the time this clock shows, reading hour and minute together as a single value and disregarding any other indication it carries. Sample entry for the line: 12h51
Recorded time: 9h17
